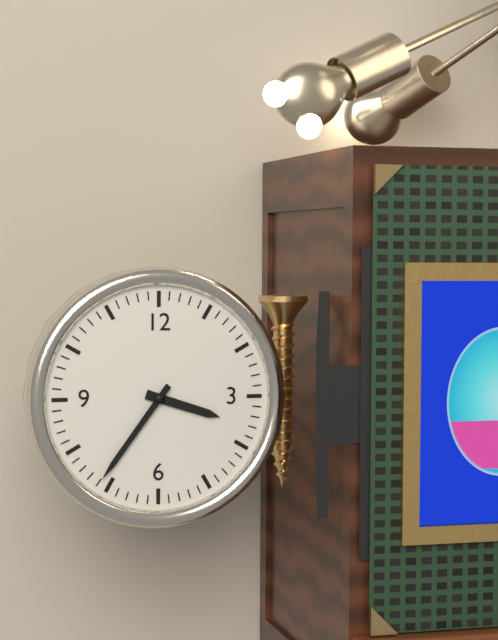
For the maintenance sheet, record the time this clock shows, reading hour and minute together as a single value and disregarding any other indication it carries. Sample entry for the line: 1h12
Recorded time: 3h36
